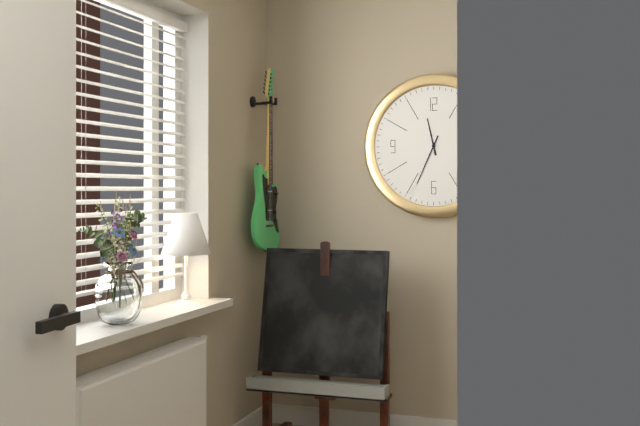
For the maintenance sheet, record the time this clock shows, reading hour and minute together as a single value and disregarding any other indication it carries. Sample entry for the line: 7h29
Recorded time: 11h34
